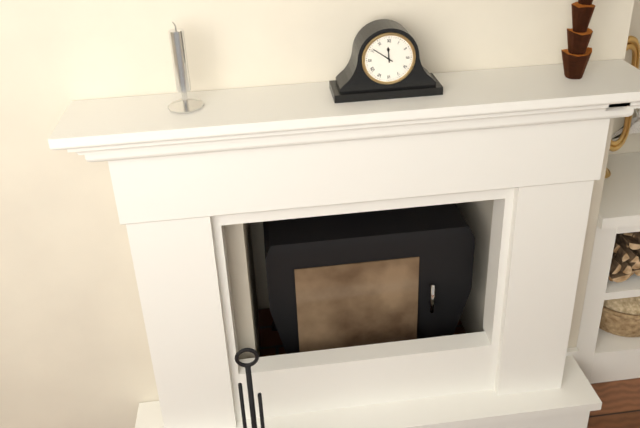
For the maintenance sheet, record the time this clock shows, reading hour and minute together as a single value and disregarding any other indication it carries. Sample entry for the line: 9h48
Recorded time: 11h51
